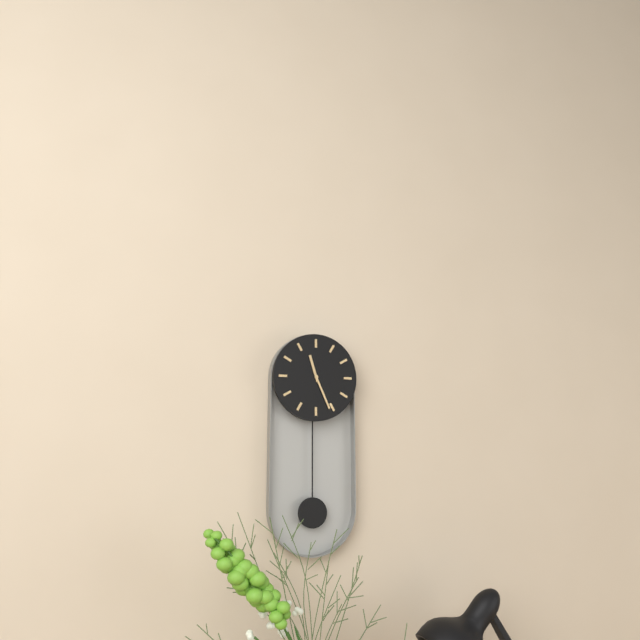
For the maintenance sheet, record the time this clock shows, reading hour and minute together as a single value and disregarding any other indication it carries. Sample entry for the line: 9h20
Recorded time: 11h26
